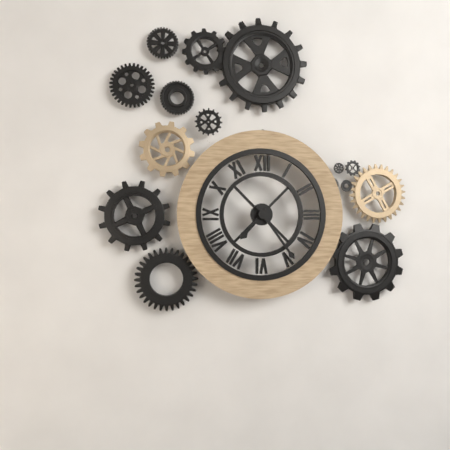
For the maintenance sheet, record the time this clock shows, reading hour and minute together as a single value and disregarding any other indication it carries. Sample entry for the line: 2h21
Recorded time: 7h24
